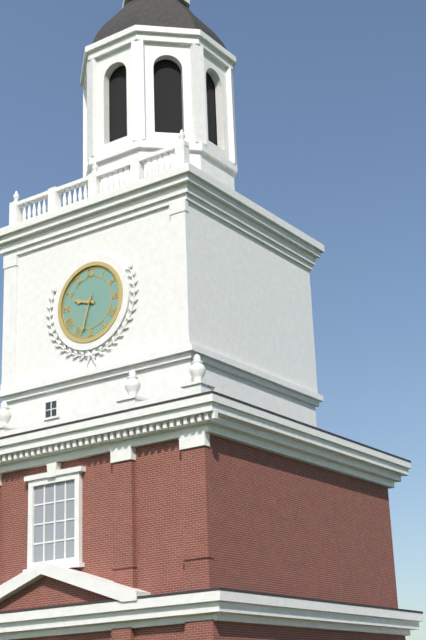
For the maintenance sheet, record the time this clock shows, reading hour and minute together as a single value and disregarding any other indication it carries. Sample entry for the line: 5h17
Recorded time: 9h33
